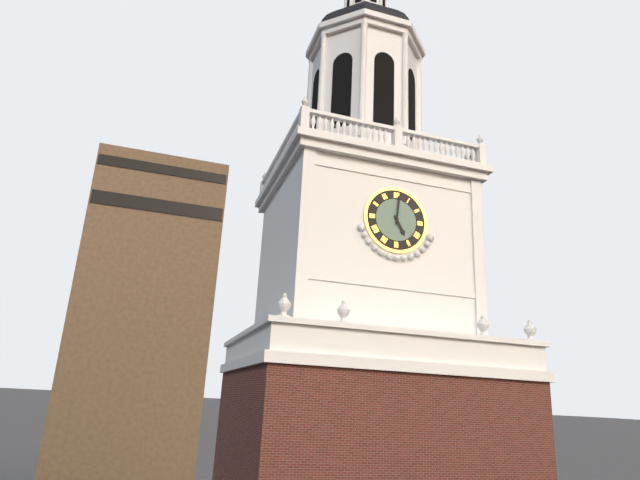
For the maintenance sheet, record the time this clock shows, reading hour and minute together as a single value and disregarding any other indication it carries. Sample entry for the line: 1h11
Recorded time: 5h01
